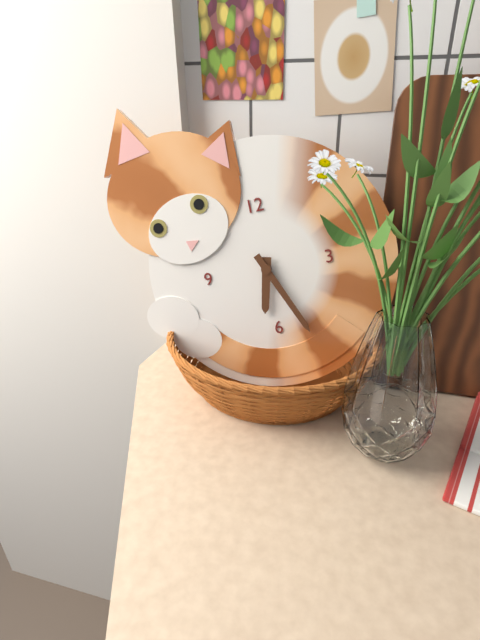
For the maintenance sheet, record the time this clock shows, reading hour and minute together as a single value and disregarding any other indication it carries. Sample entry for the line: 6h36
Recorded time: 6h26
